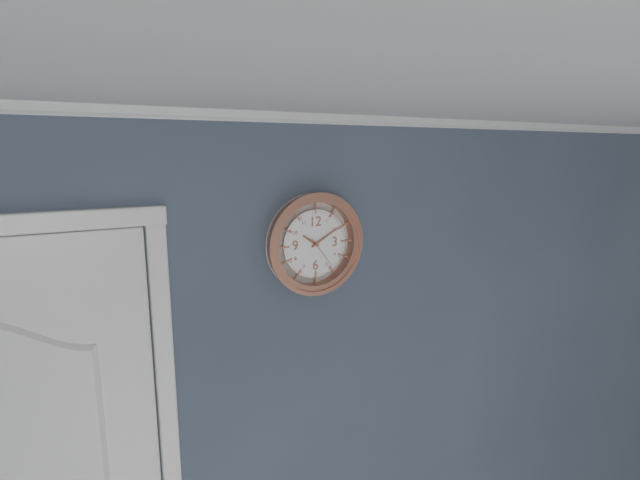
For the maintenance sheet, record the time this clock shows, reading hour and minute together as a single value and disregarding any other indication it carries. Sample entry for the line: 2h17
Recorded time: 10h10
